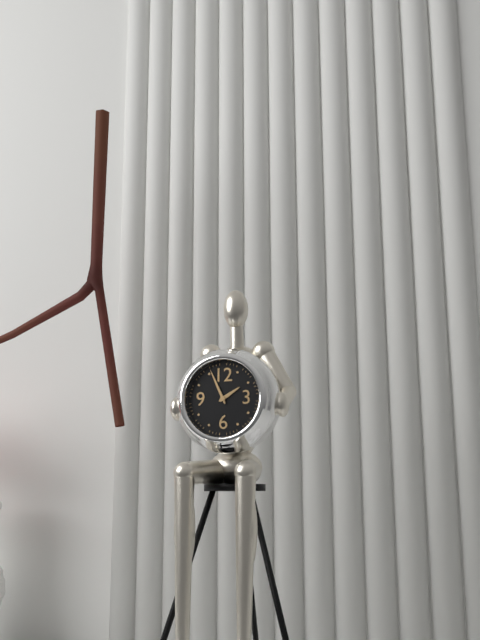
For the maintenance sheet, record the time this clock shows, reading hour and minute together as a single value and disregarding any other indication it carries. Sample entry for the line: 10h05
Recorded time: 1h56
